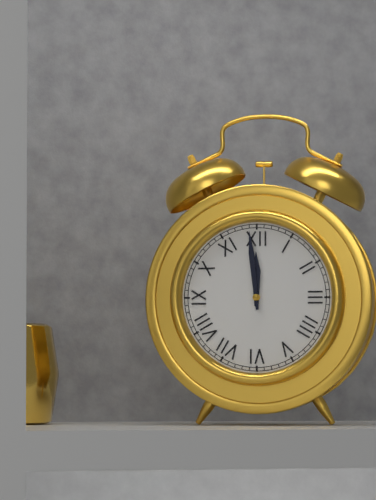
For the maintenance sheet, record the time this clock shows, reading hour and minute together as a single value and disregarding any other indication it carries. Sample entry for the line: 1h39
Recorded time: 11h59
